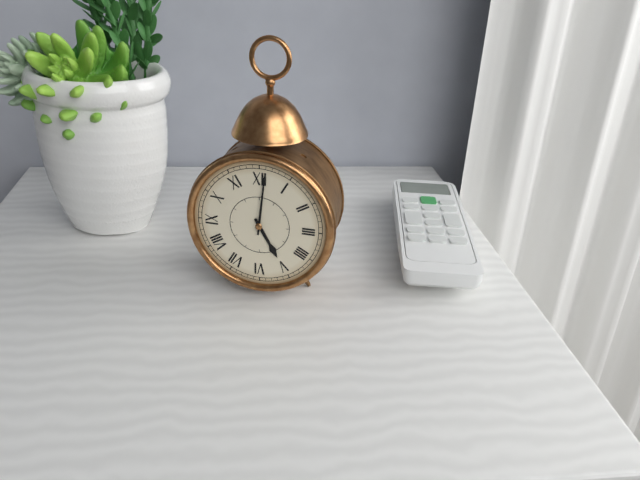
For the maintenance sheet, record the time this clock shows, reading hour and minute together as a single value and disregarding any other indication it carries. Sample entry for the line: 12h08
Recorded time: 5h01
